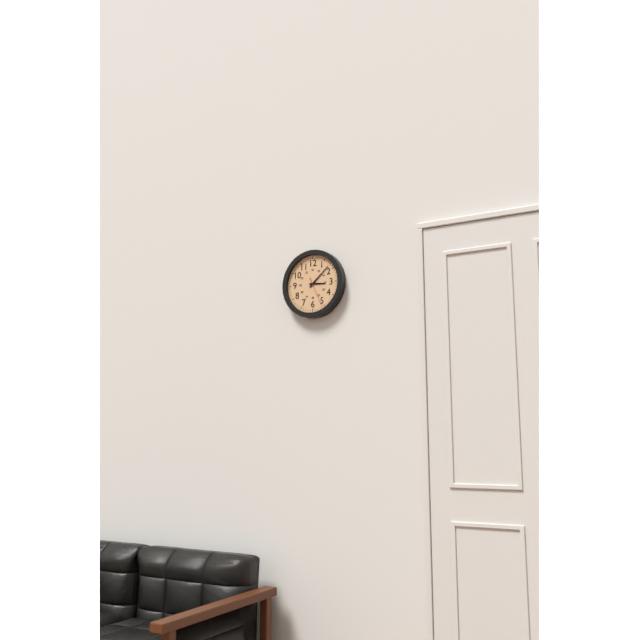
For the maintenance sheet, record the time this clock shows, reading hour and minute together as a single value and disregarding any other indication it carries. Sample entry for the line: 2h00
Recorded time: 3h08
